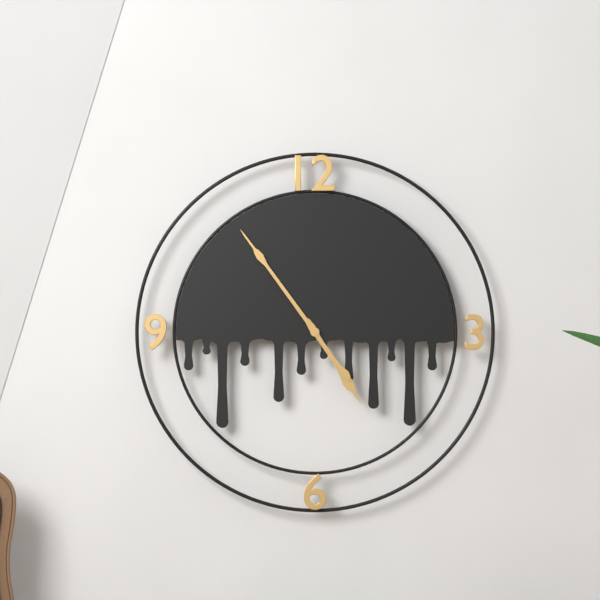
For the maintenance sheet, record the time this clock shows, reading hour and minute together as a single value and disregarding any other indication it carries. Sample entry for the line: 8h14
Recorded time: 4h54
